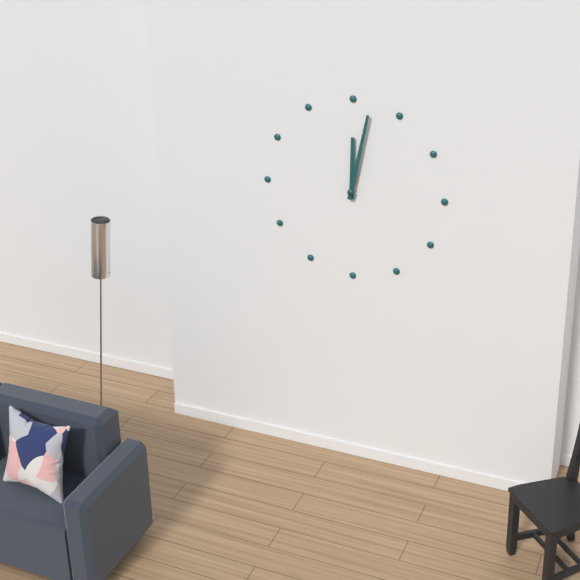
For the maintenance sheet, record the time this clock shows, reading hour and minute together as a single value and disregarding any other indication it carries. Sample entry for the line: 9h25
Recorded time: 12h02
